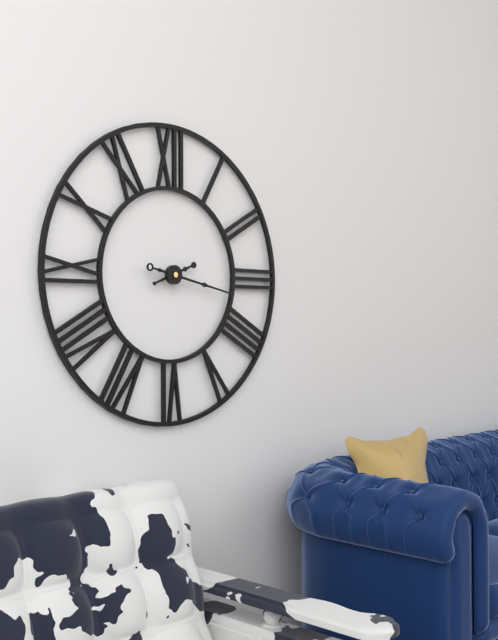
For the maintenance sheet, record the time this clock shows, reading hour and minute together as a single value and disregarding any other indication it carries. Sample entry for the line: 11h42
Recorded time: 2h17
